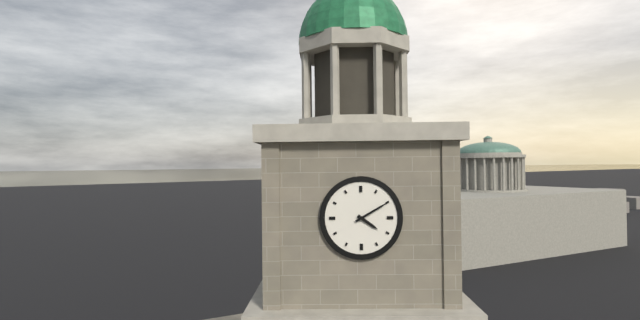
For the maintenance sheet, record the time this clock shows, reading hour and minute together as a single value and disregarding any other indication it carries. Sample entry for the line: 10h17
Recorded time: 4h10
